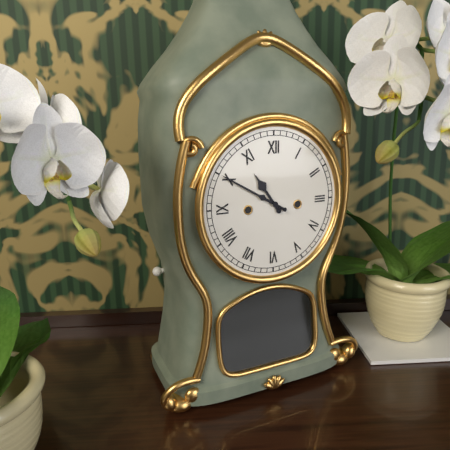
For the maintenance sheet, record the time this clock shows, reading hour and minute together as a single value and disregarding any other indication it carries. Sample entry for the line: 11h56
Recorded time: 10h50
